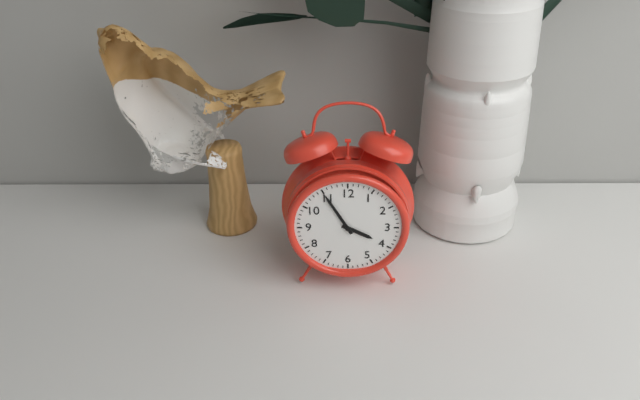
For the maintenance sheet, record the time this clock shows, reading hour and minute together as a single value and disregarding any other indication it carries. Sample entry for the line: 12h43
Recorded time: 3h55
